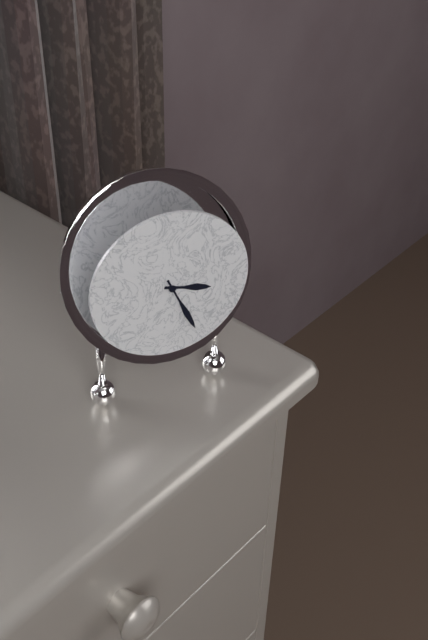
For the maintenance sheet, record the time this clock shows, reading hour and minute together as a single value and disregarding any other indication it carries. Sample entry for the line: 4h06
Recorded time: 3h26
